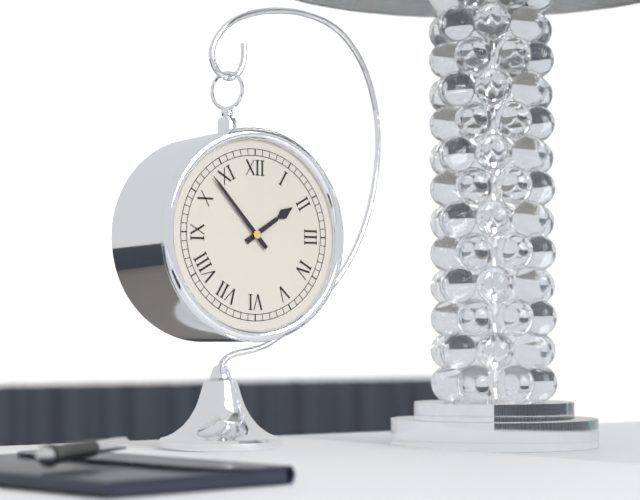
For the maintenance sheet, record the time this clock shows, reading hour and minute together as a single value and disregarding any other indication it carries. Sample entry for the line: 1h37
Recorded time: 1h53
